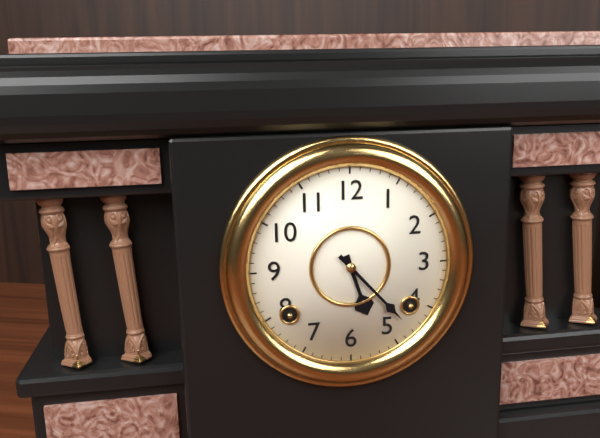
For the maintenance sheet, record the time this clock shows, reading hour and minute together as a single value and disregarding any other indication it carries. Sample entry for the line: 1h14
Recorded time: 5h23
